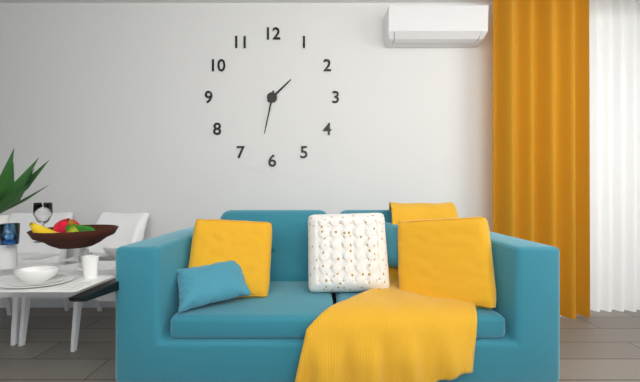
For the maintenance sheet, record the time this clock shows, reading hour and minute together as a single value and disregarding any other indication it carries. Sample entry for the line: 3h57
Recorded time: 1h32
